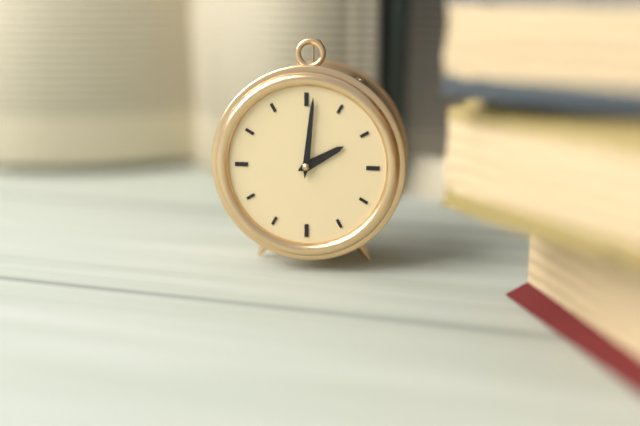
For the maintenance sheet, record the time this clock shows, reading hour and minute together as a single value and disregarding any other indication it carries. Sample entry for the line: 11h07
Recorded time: 2h01
